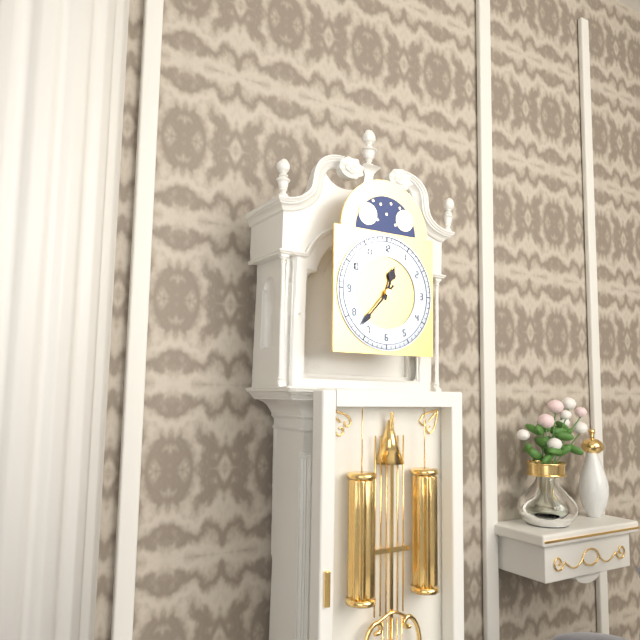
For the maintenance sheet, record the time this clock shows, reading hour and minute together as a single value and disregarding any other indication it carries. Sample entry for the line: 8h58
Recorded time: 12h37
